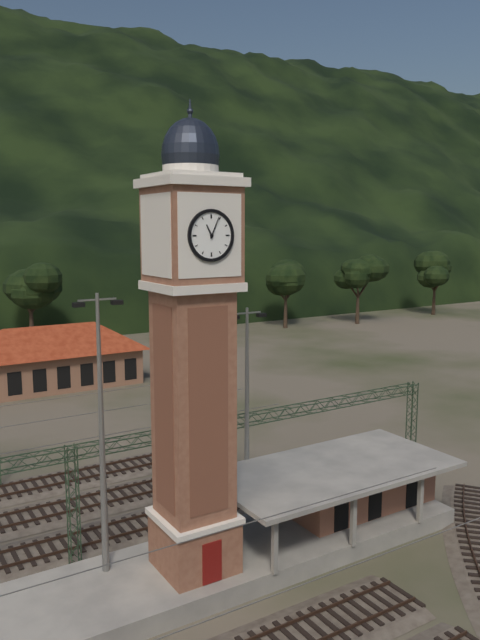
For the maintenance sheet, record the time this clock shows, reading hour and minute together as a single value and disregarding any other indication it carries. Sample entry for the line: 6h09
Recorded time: 11h04
